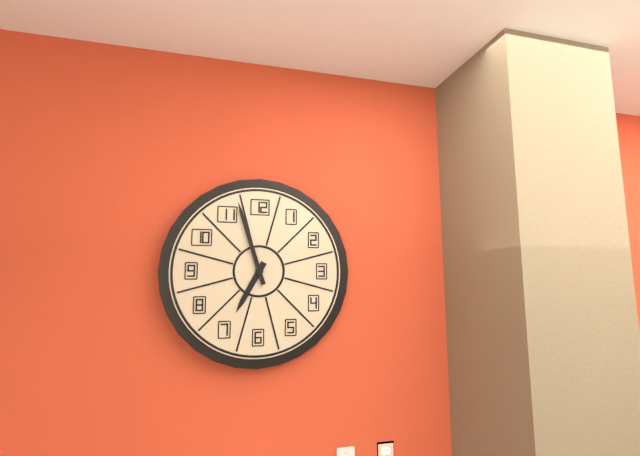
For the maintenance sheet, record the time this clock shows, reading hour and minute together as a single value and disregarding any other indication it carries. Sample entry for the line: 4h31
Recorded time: 6h57
